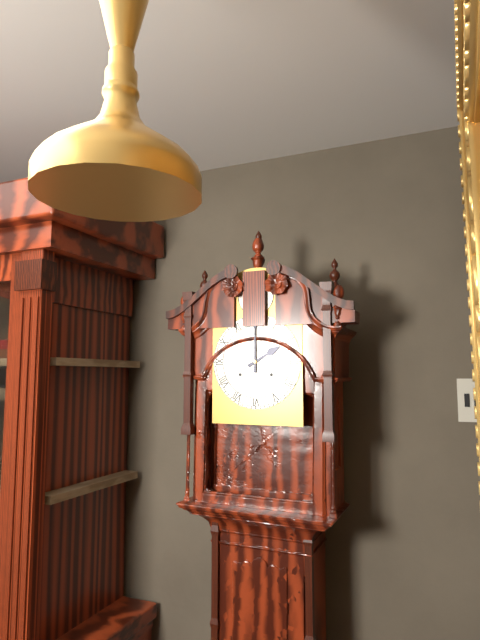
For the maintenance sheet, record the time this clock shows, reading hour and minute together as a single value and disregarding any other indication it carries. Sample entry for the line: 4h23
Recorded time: 2h00
